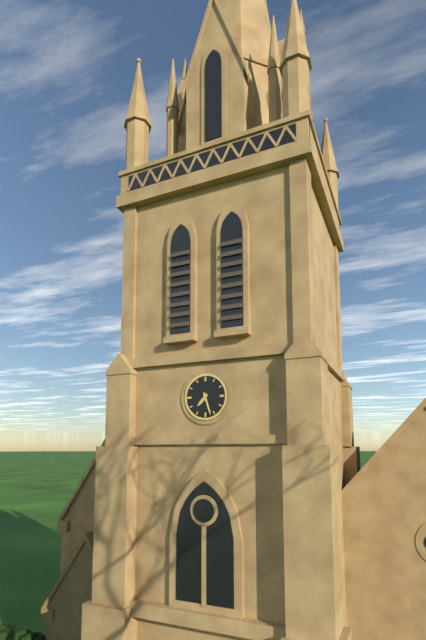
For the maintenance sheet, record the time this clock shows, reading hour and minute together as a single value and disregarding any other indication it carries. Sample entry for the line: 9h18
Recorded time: 7h27
